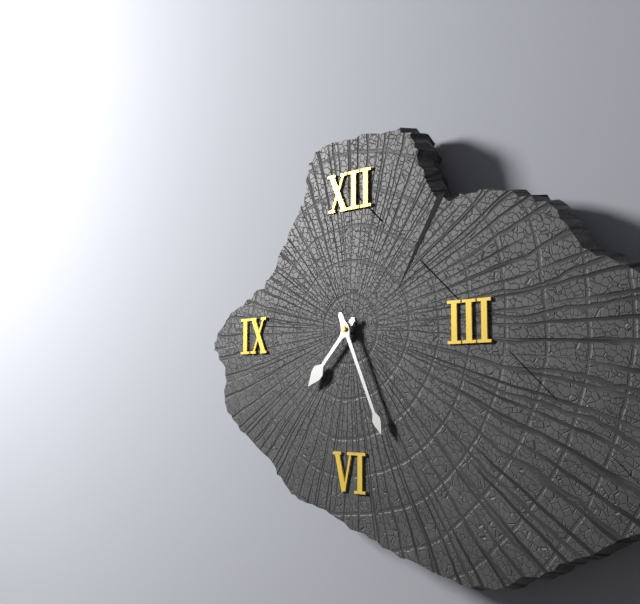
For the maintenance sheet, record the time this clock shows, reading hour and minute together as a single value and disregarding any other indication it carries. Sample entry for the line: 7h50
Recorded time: 7h26
